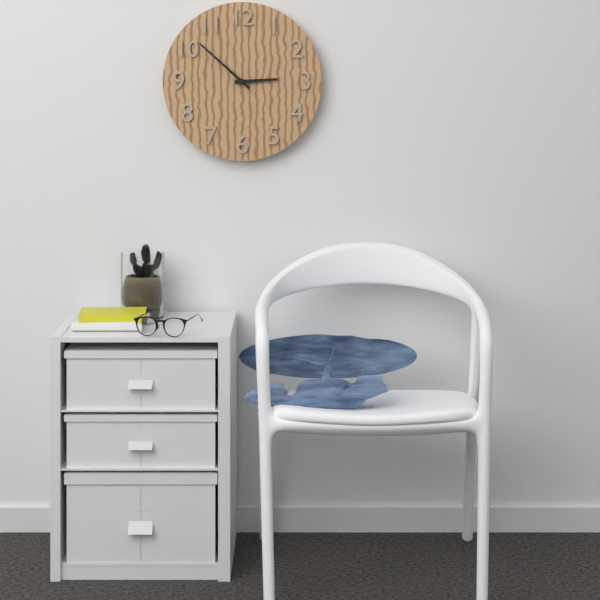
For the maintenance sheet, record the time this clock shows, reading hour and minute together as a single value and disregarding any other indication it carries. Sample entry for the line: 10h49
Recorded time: 2h52
